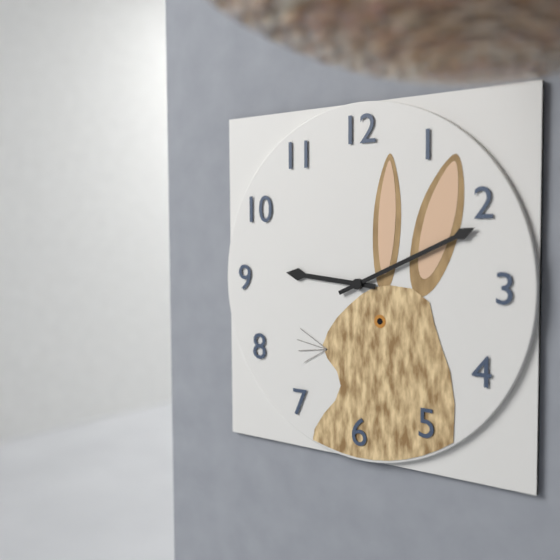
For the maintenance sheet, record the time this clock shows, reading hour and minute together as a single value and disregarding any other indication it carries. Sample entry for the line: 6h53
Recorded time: 9h11
